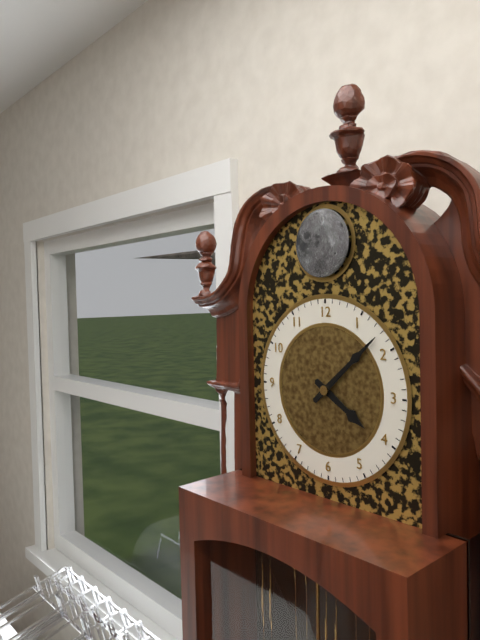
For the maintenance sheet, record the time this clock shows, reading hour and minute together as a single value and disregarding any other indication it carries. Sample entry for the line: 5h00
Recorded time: 4h08
